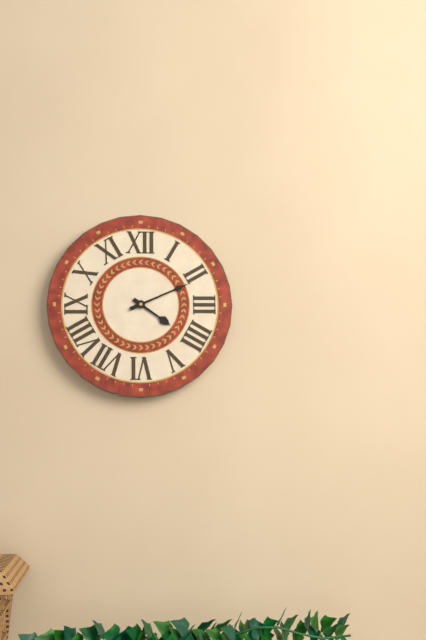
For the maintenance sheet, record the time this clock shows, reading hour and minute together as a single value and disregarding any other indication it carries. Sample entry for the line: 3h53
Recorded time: 4h11
